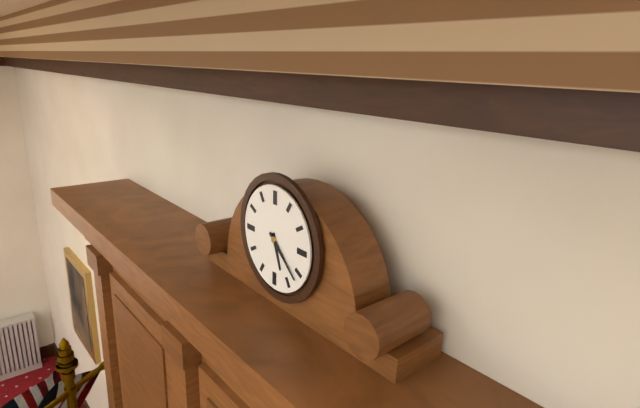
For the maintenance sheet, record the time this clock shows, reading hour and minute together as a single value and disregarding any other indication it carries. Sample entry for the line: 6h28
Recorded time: 5h22
